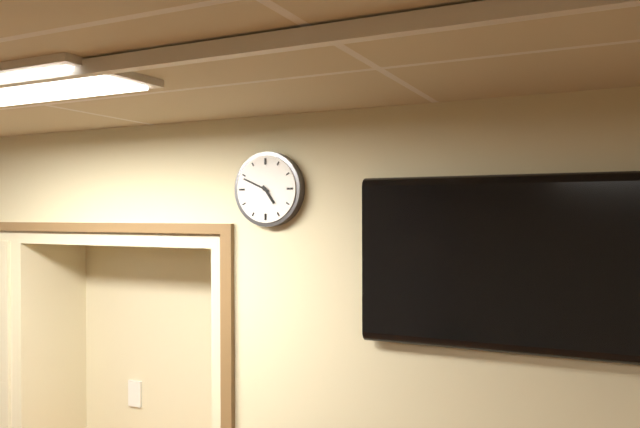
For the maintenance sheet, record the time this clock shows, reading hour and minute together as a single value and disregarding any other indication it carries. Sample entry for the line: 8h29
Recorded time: 4h49
